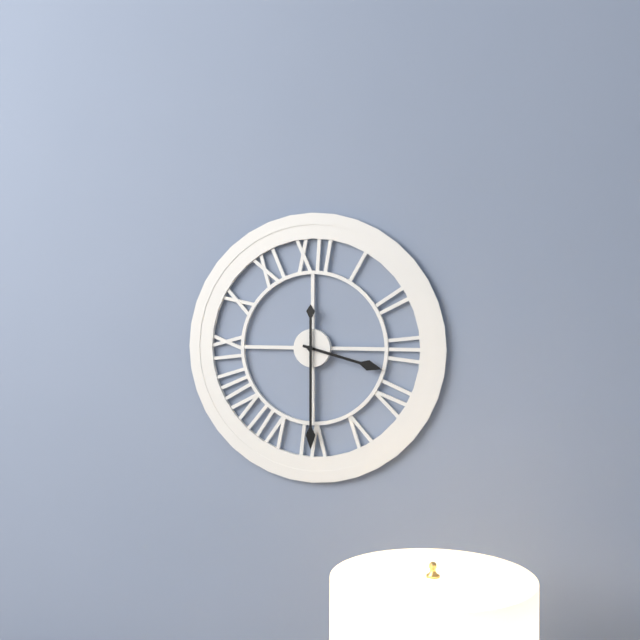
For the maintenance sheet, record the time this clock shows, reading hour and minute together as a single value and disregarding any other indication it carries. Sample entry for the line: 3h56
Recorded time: 3h30
